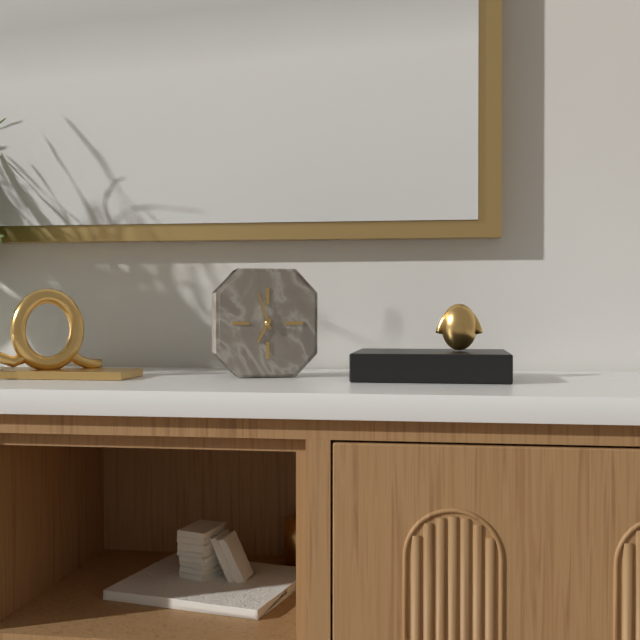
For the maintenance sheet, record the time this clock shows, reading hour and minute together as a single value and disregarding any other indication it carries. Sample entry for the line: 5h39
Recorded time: 6h57
